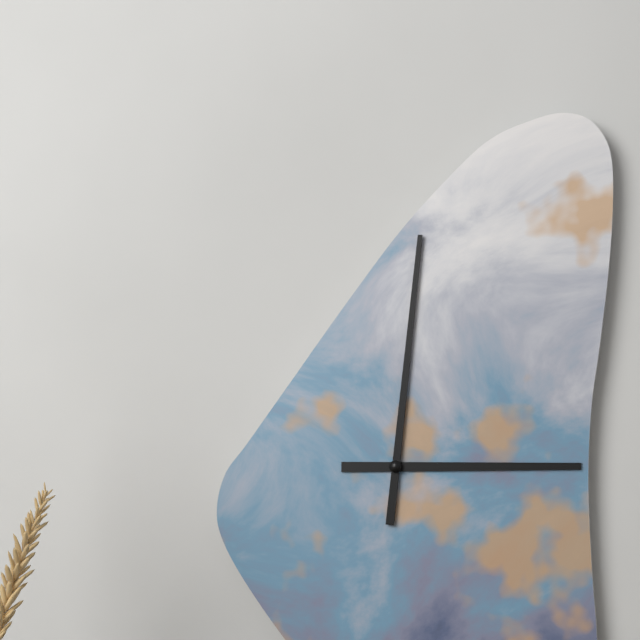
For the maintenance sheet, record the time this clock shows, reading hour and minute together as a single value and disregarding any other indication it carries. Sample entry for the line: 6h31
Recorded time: 3h01
